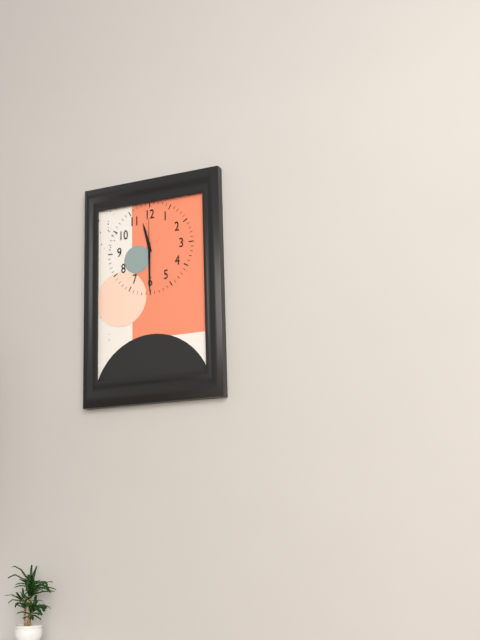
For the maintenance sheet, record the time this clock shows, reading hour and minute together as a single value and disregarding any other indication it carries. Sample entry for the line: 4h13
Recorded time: 11h30
